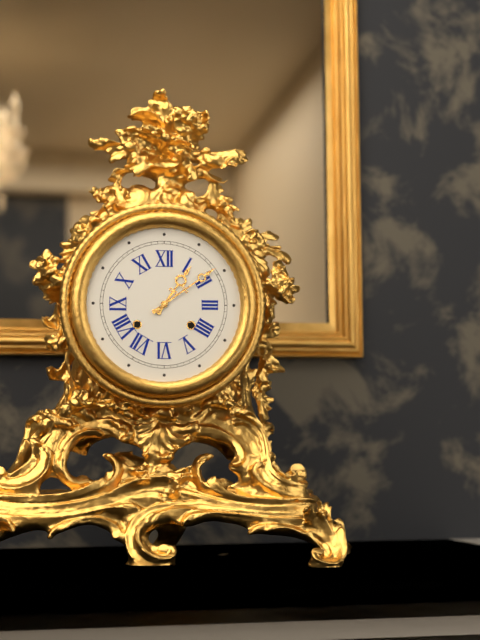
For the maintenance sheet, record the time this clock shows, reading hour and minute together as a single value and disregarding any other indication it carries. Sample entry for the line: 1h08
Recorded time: 1h09
